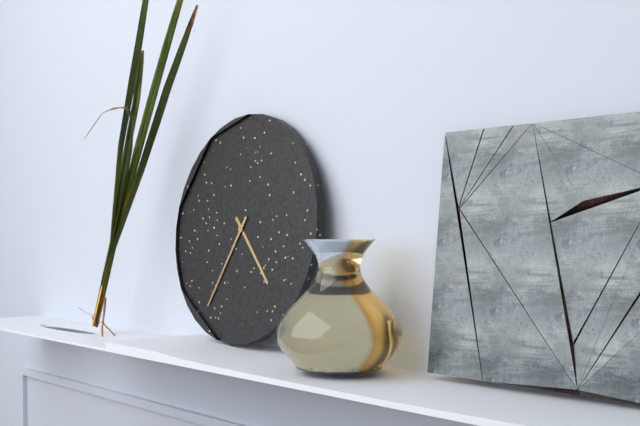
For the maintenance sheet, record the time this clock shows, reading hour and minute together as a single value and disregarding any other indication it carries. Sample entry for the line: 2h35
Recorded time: 4h35
